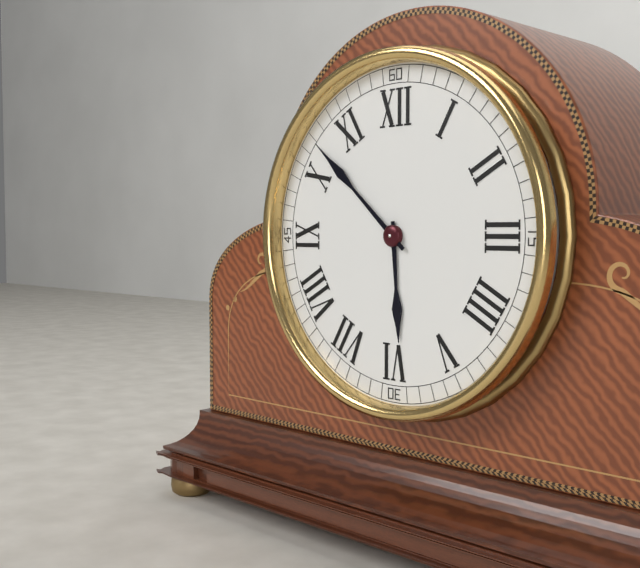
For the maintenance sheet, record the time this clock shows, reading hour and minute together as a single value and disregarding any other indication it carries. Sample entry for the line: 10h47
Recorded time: 5h52
